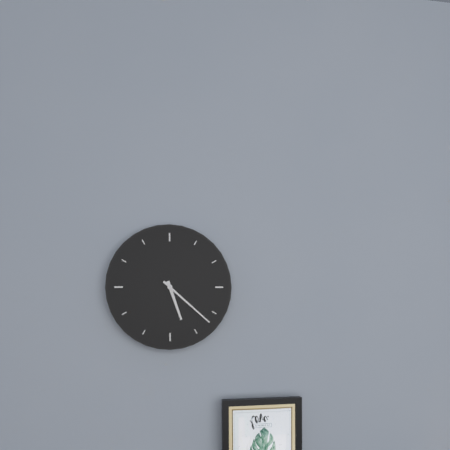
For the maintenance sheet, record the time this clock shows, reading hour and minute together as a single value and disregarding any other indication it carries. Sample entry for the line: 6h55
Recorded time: 5h22
